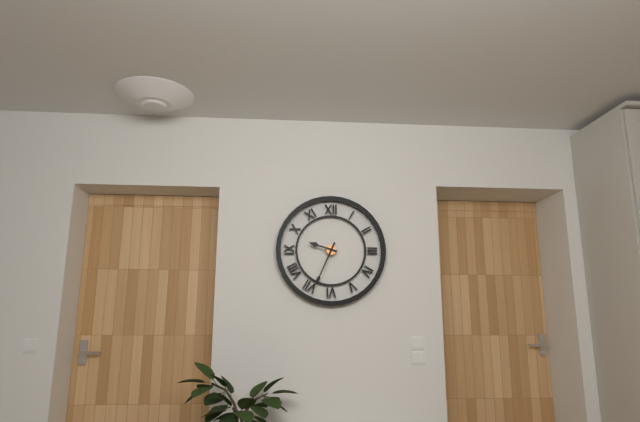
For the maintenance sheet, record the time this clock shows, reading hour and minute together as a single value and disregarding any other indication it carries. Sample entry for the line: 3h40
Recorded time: 9h34
